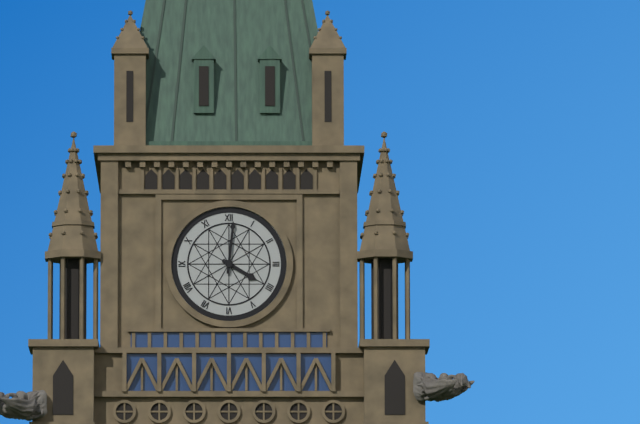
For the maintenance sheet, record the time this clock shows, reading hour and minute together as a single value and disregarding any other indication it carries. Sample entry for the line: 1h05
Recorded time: 4h01
